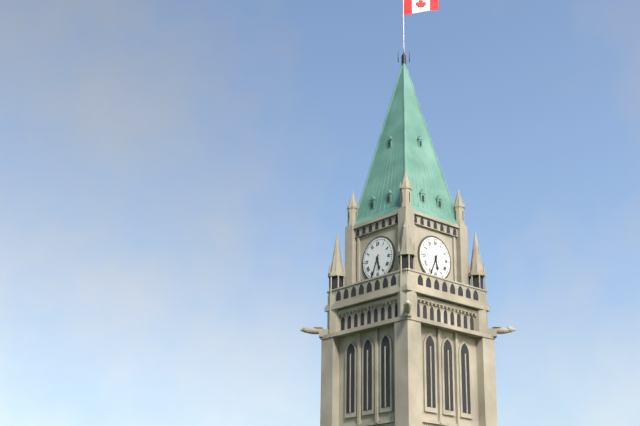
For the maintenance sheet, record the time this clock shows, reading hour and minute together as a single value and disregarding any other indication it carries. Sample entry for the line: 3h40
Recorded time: 5h34
